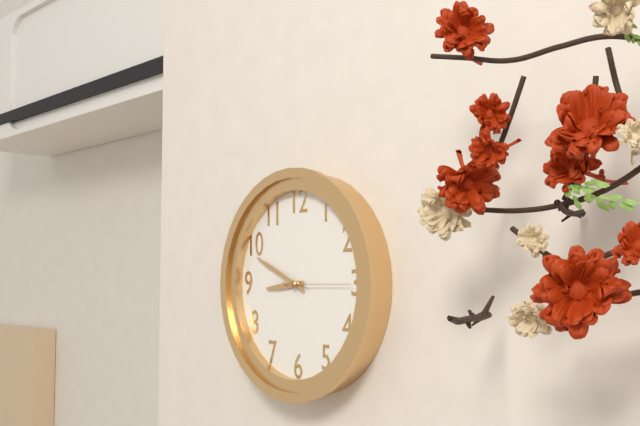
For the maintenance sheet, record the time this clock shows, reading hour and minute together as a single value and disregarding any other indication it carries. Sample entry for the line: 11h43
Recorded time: 8h49
